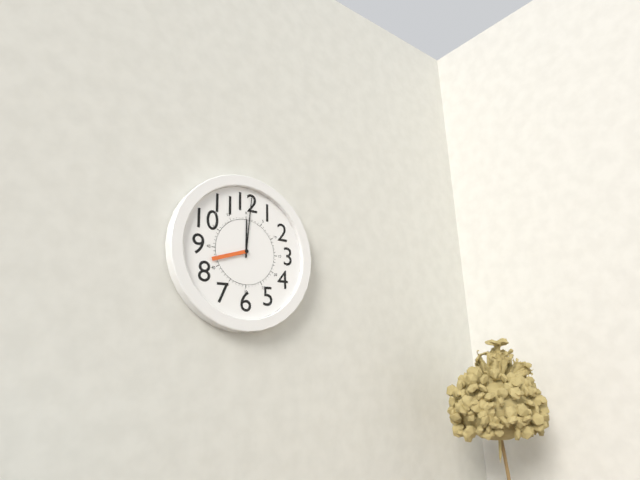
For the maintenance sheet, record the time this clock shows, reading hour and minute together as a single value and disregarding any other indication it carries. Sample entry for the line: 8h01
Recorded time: 12h01
